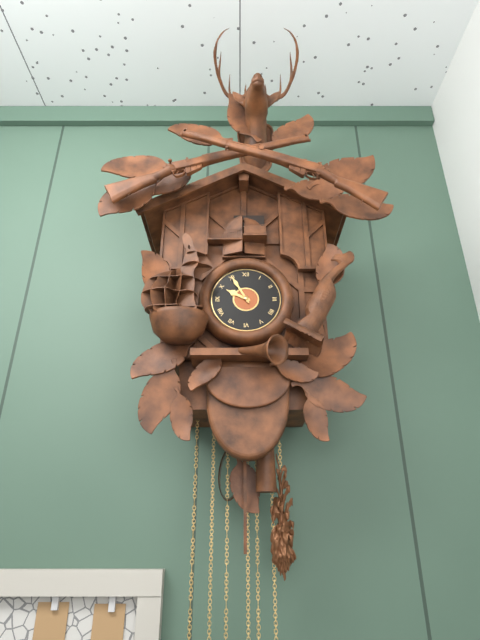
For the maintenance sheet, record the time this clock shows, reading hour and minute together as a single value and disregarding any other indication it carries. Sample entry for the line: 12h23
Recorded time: 9h55
